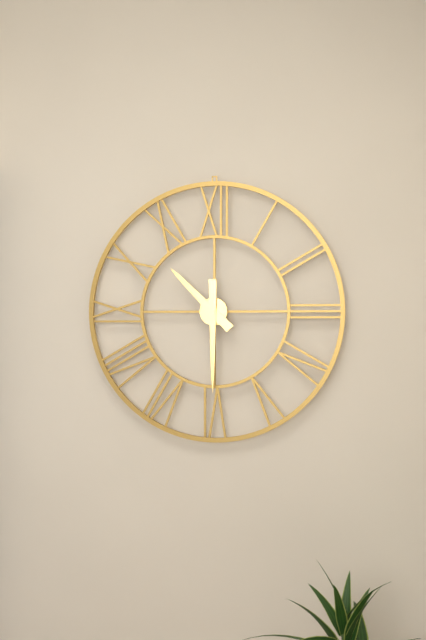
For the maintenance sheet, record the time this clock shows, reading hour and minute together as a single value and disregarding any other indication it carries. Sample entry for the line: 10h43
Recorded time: 10h30
